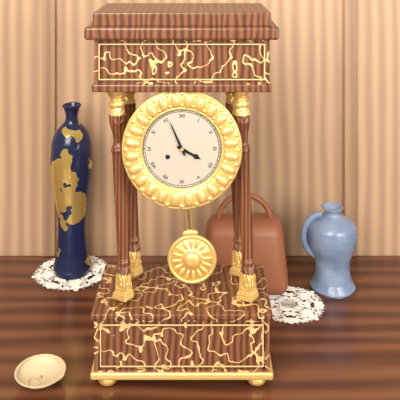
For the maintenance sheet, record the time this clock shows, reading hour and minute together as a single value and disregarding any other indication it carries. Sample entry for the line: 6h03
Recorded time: 3h56
